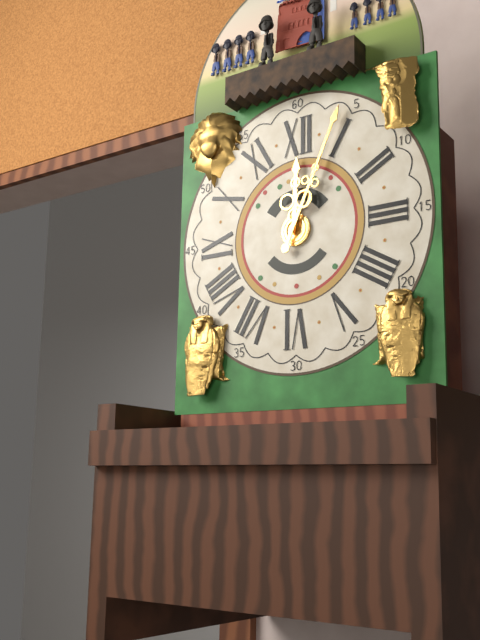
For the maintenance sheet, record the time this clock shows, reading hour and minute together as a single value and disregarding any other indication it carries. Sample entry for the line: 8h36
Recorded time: 12h04
